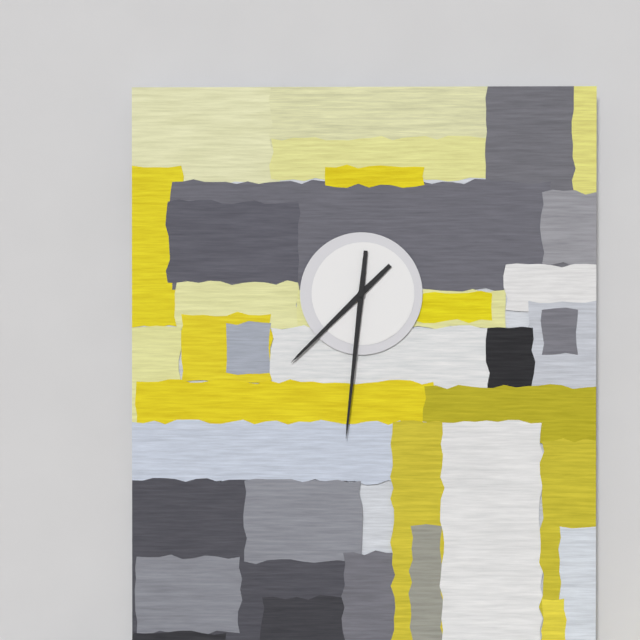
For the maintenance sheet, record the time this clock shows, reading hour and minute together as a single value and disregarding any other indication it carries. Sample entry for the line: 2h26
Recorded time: 7h31
